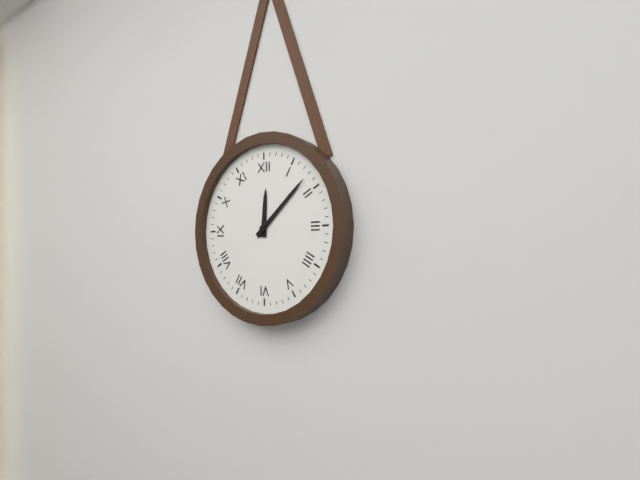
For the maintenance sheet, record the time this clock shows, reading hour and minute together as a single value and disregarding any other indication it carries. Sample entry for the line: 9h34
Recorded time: 12h08
